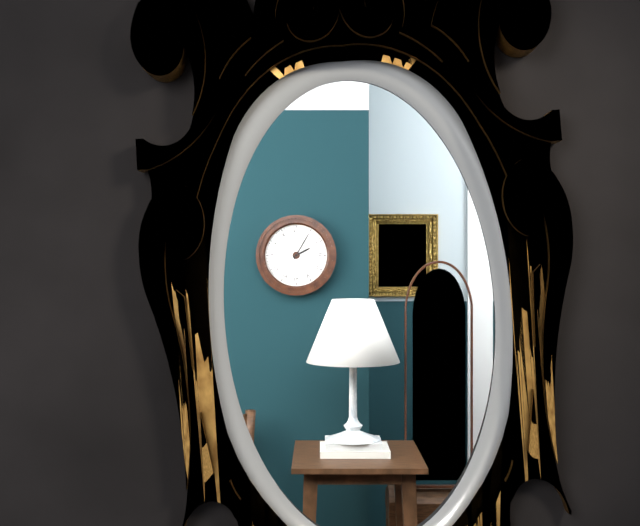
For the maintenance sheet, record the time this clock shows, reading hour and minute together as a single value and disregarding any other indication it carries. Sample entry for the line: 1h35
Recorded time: 2h05
